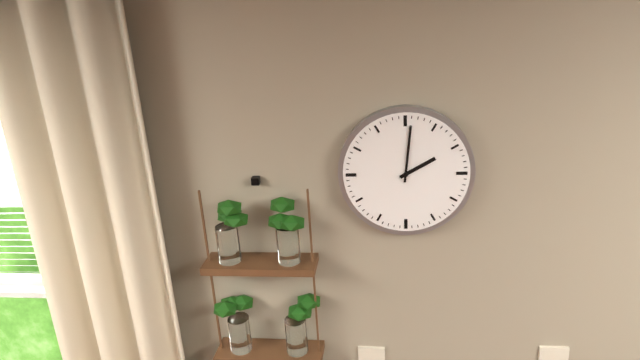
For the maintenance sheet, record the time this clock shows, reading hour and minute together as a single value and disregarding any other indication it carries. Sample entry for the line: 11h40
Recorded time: 2h01
